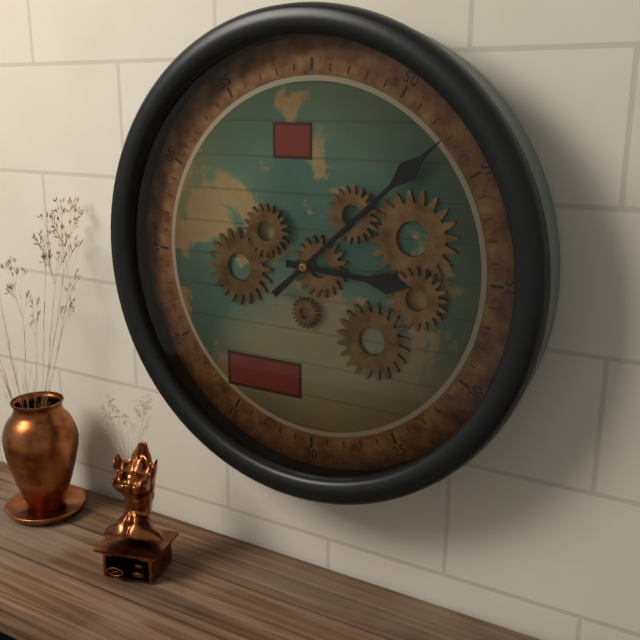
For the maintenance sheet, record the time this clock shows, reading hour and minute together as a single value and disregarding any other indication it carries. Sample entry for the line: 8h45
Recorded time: 3h08
